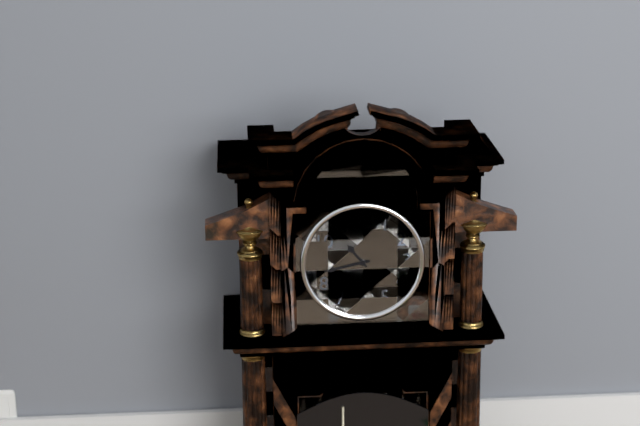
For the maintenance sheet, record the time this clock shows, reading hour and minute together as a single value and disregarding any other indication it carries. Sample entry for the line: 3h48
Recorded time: 10h43
